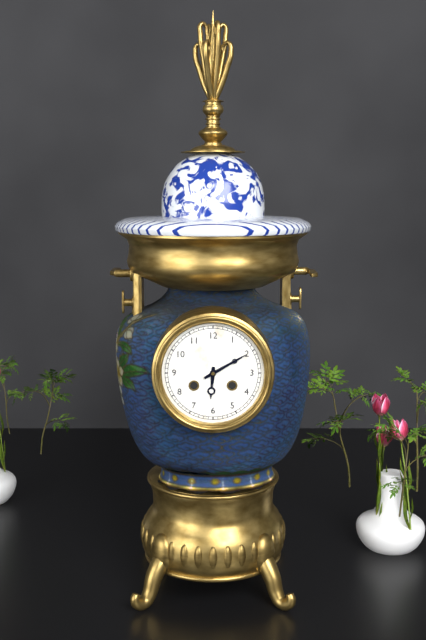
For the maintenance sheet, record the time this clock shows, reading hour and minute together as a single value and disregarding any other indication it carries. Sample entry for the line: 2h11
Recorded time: 6h10
